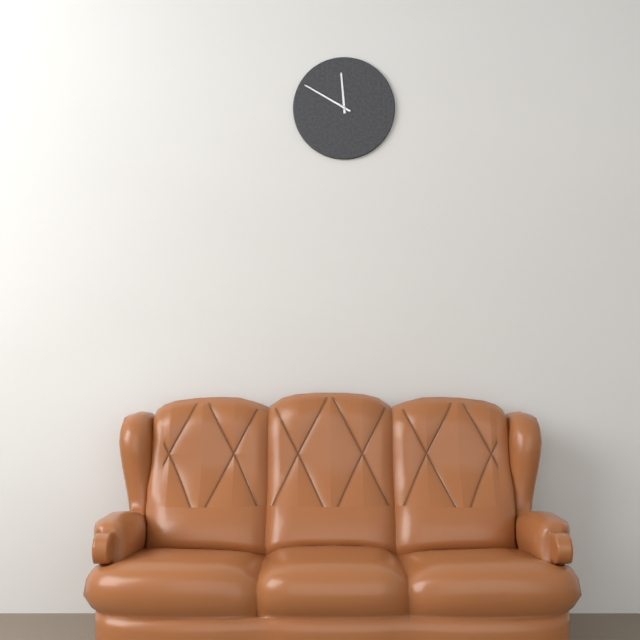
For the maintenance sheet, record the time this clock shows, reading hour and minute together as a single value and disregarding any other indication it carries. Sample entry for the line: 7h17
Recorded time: 11h50
